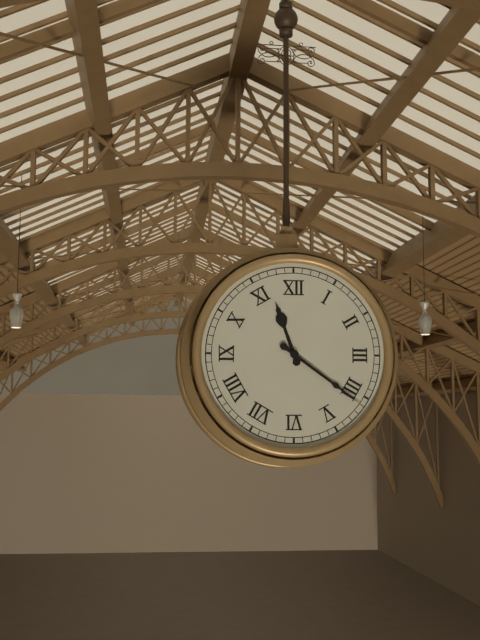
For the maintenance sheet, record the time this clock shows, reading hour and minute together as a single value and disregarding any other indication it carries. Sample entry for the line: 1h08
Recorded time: 11h21
